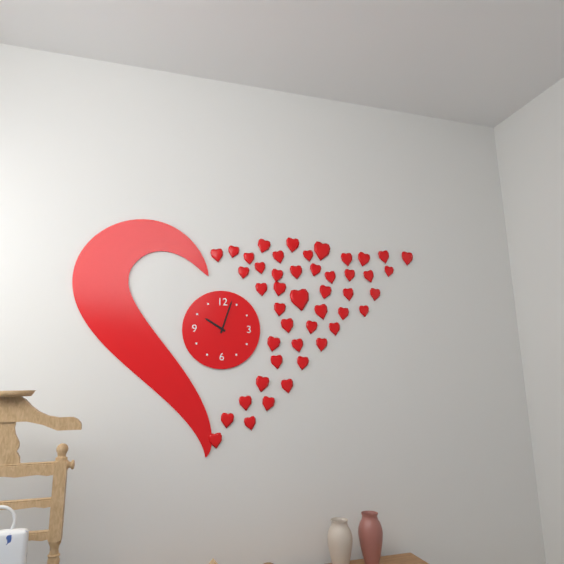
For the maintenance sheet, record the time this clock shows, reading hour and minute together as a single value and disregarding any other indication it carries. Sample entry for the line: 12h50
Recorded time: 10h03
